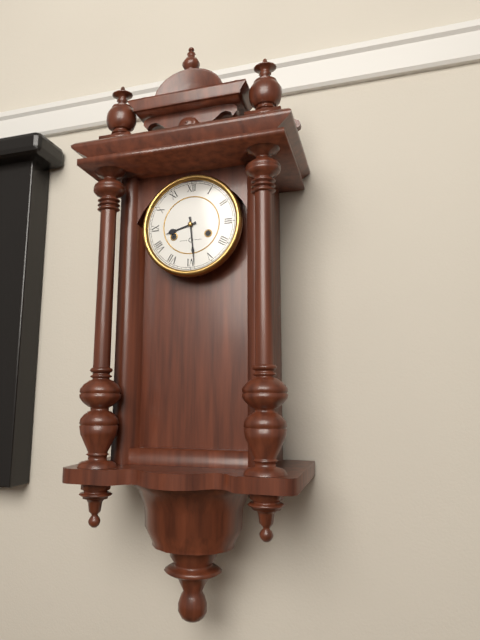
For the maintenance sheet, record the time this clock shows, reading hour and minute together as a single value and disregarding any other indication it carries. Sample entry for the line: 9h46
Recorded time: 8h29
